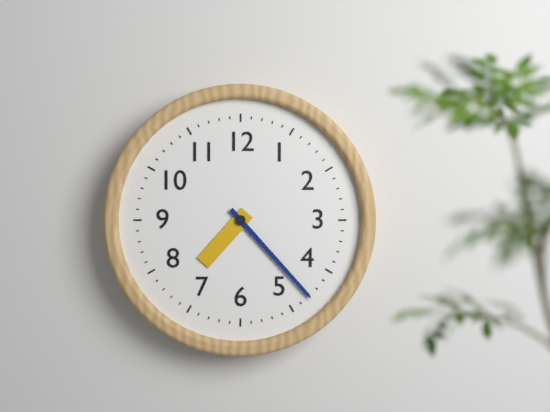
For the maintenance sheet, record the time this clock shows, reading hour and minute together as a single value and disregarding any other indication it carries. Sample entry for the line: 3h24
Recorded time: 7h23
